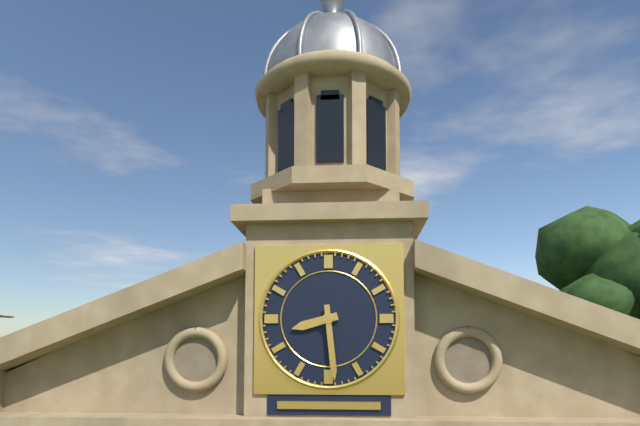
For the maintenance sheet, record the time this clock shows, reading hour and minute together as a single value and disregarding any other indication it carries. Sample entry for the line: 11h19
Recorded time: 8h29
